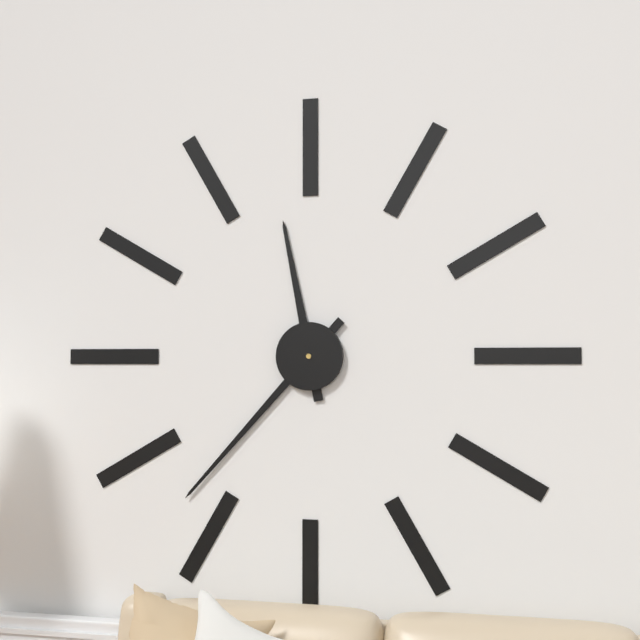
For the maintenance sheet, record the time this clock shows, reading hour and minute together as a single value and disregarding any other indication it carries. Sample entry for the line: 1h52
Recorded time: 11h37
